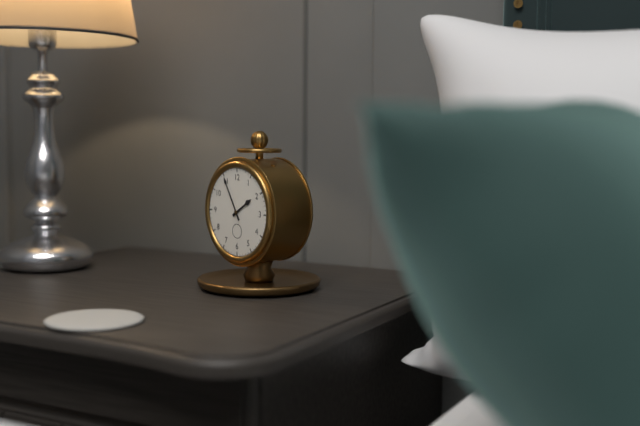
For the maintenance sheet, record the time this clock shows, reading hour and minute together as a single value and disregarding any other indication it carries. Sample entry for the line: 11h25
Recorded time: 1h55
